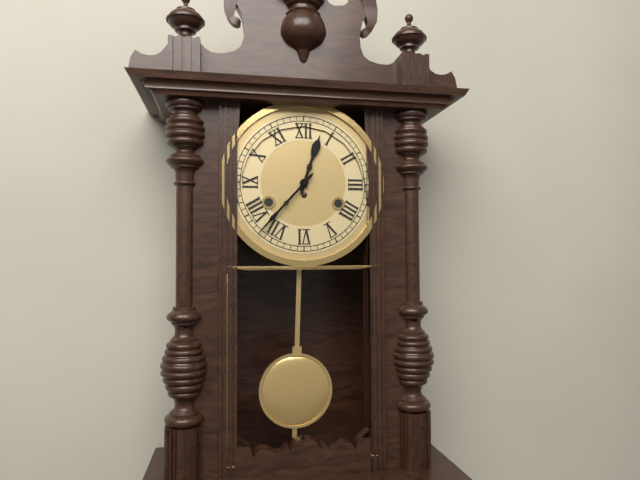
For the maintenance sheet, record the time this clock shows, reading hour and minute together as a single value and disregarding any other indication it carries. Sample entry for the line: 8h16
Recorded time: 12h37
